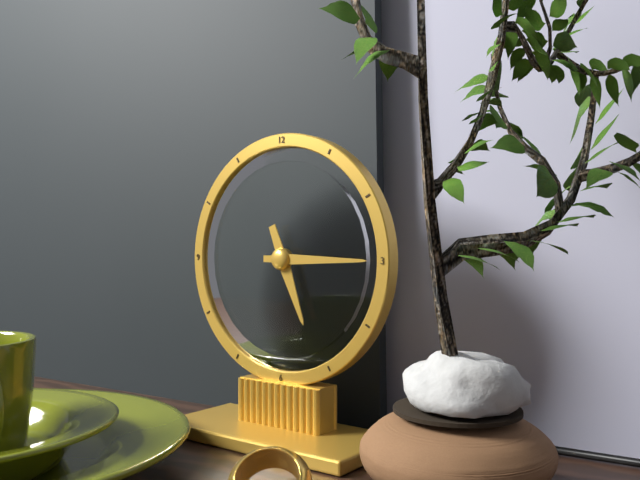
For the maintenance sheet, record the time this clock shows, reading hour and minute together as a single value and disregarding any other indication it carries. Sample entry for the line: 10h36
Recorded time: 5h15
